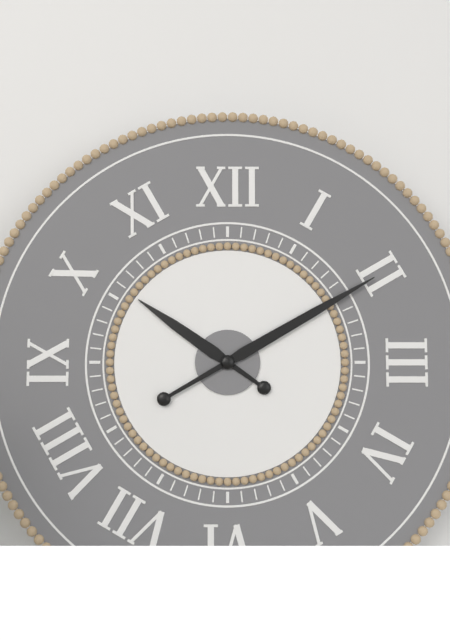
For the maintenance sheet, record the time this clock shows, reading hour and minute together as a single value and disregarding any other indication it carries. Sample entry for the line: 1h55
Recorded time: 10h10
